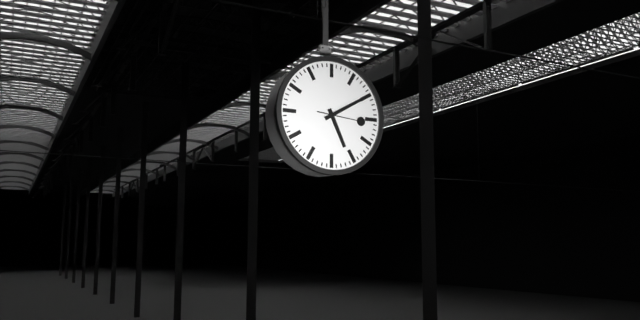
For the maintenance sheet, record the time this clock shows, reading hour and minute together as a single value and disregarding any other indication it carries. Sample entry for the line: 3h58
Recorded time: 5h10
